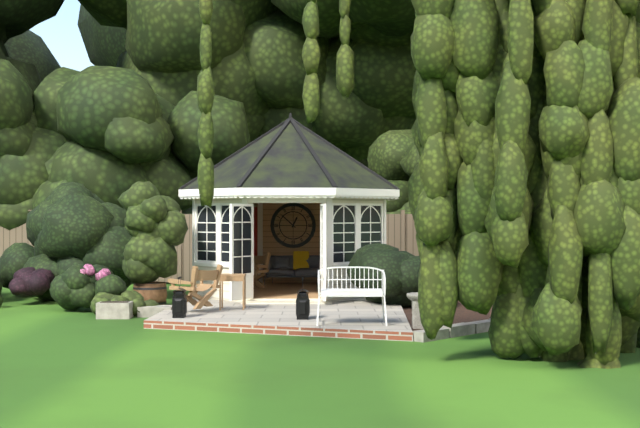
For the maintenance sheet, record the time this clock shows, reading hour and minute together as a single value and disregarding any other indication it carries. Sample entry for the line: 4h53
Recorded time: 12h52
